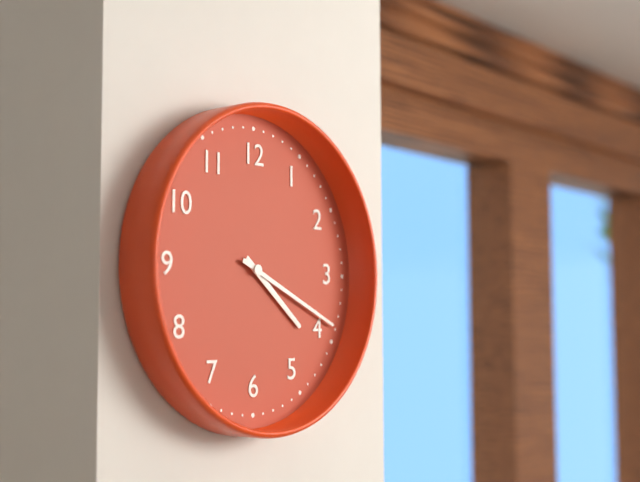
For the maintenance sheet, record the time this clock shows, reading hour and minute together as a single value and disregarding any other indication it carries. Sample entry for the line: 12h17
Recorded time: 4h19
